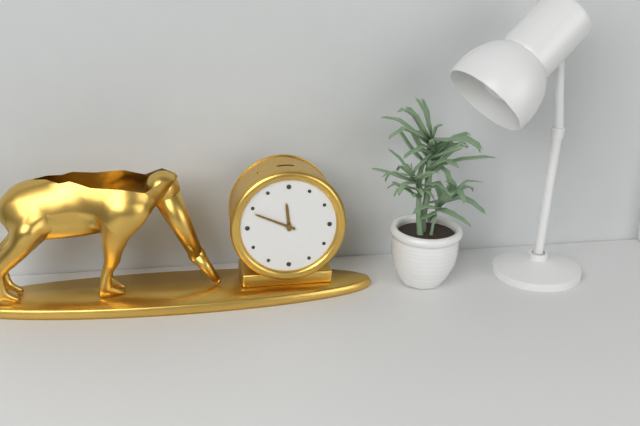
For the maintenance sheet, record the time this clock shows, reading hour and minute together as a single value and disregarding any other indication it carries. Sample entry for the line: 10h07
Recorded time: 11h49
